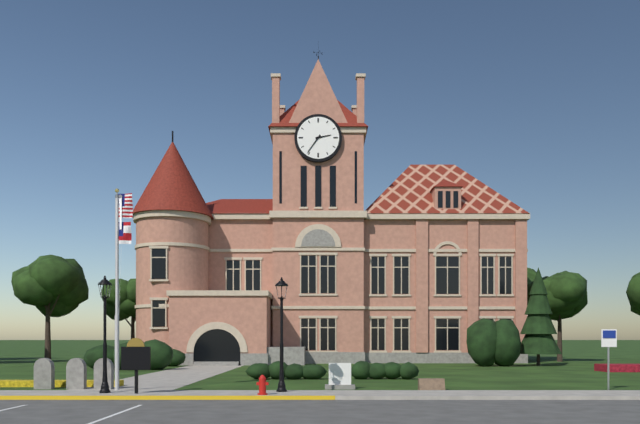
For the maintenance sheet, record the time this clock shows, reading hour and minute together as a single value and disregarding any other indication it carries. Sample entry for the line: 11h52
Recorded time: 2h36
